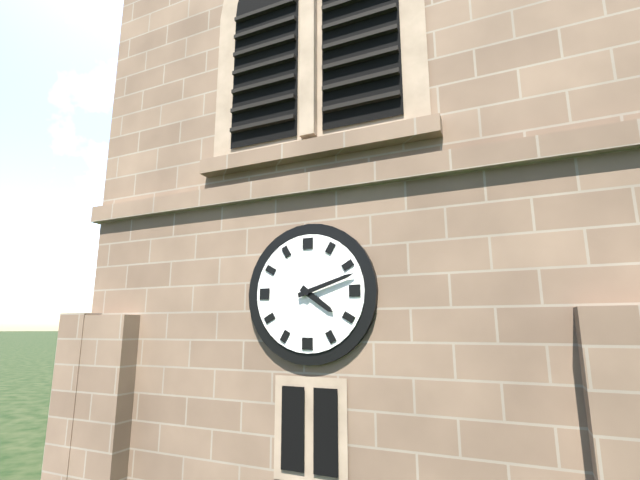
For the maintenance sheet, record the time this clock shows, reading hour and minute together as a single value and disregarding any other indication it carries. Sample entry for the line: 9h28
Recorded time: 4h12
